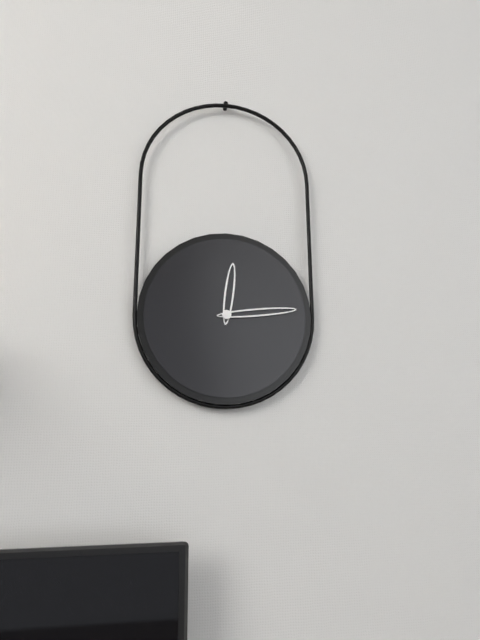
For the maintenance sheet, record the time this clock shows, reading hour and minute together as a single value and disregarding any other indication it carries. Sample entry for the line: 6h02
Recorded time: 12h14
